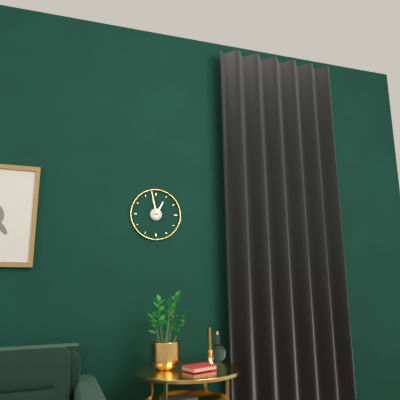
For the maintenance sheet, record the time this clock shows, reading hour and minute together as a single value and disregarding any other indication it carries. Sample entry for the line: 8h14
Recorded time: 12h58
